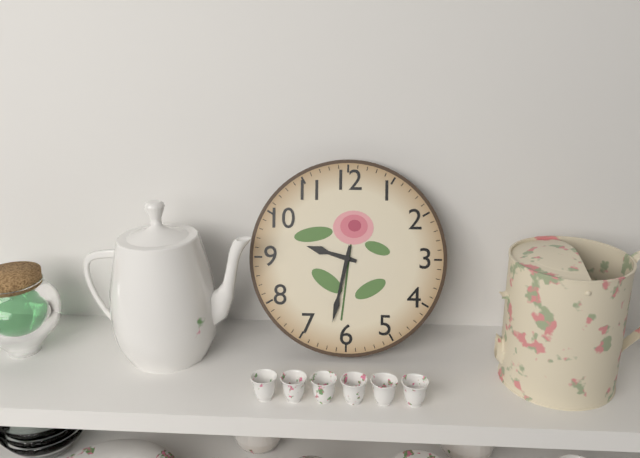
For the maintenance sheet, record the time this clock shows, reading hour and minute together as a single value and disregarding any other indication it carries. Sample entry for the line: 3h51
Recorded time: 9h32
